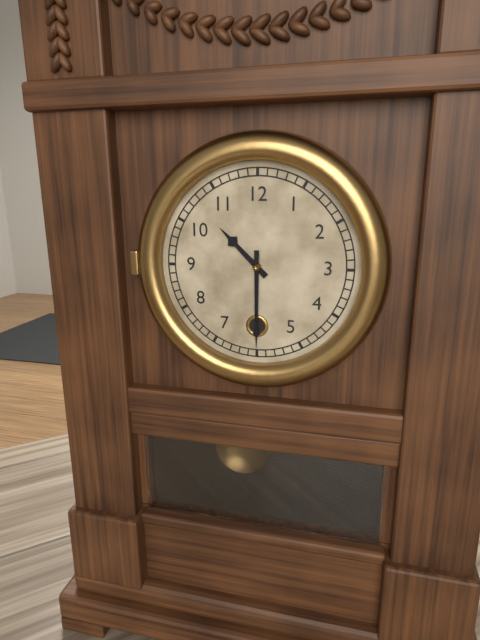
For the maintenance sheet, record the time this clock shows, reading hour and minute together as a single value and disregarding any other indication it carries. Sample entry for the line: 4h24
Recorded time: 10h30
